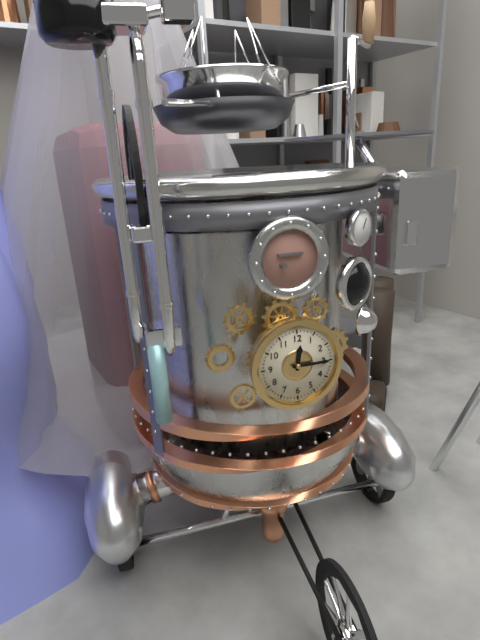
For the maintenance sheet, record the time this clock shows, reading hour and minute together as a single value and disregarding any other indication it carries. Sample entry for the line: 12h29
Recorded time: 12h15
